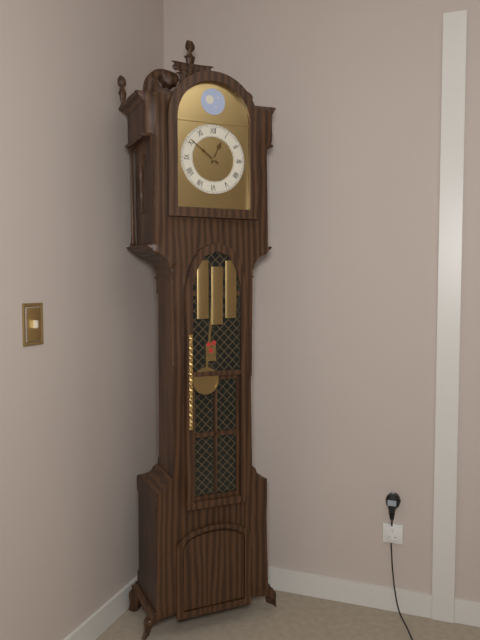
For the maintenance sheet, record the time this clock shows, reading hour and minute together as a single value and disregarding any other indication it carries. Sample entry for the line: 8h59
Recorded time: 12h51
